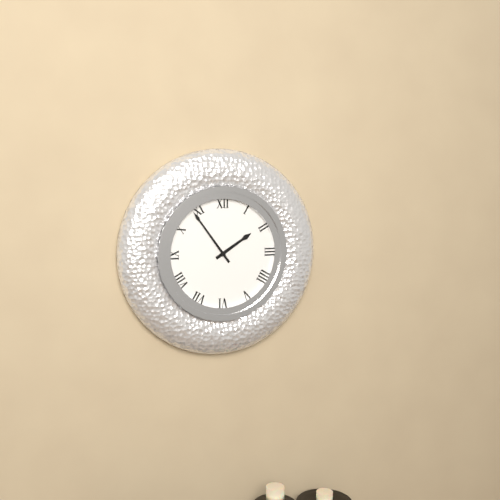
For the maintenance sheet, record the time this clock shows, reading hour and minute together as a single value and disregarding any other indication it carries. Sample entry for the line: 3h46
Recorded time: 1h54
